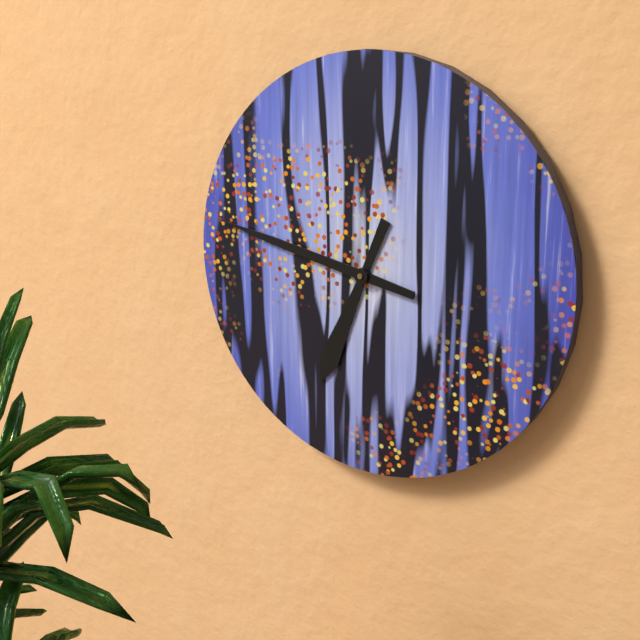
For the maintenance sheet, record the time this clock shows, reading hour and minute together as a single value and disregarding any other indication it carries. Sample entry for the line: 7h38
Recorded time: 6h47
